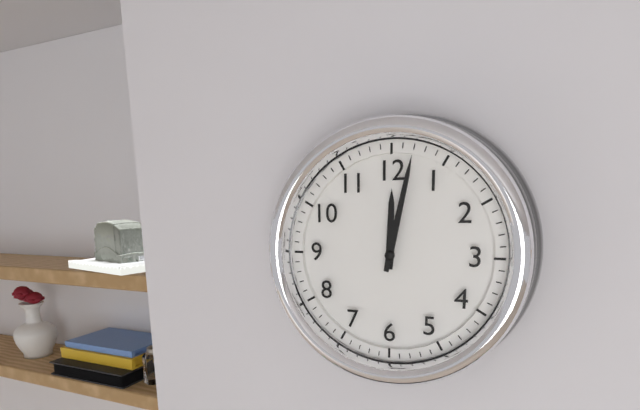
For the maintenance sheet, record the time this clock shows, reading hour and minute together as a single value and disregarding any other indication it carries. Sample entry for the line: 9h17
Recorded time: 12h02
